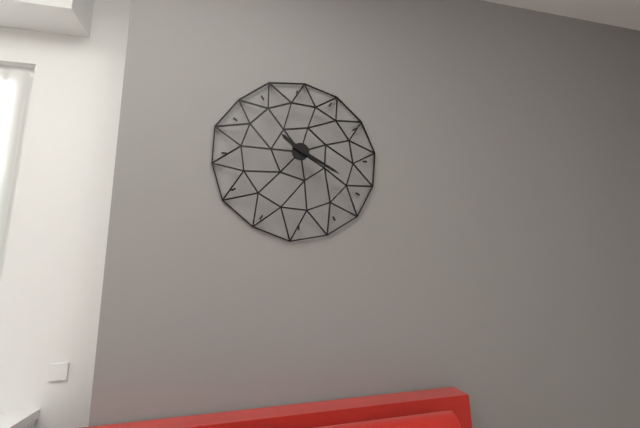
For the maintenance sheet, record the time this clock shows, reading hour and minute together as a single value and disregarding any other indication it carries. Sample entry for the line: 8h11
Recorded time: 10h20
